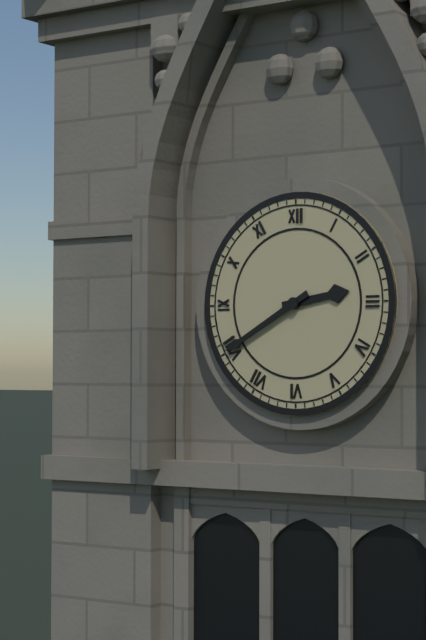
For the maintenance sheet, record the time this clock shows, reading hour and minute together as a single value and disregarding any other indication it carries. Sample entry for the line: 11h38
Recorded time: 2h40
